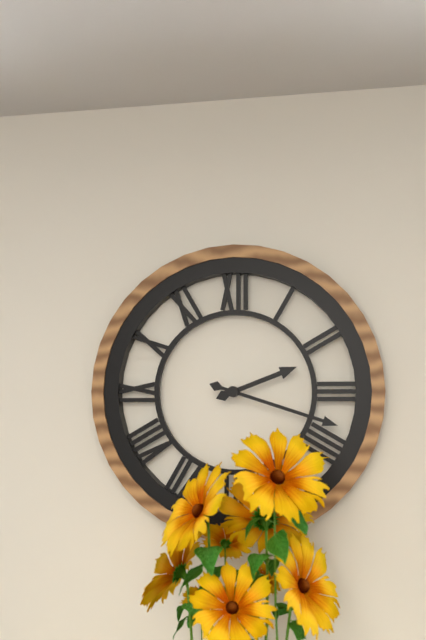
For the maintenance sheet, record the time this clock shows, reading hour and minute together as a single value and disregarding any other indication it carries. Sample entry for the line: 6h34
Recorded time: 2h18
